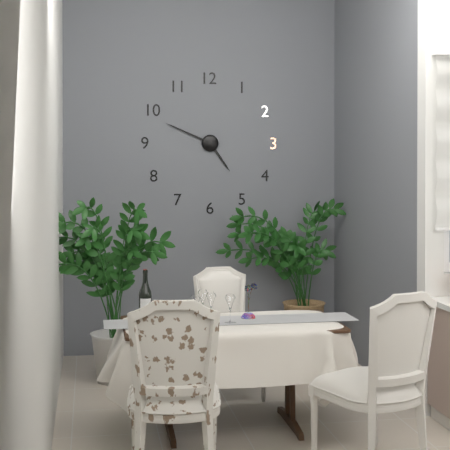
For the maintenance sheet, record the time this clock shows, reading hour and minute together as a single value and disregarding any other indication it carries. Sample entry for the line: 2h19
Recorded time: 4h49
